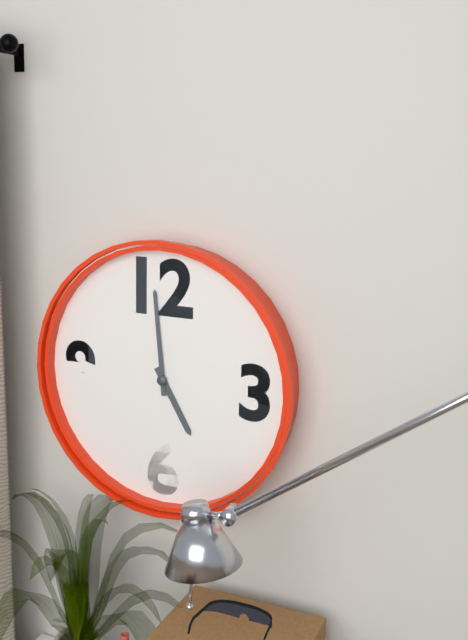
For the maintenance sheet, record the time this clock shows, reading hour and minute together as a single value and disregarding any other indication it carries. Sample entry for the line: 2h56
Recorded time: 4h59
